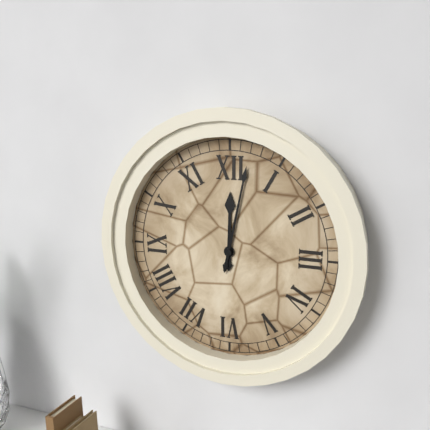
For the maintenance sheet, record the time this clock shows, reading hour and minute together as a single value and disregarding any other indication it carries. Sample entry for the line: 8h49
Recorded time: 12h02
